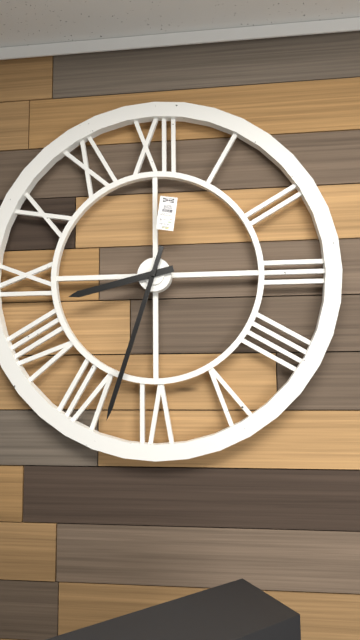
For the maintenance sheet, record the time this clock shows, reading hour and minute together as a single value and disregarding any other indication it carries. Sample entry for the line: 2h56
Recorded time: 8h33
